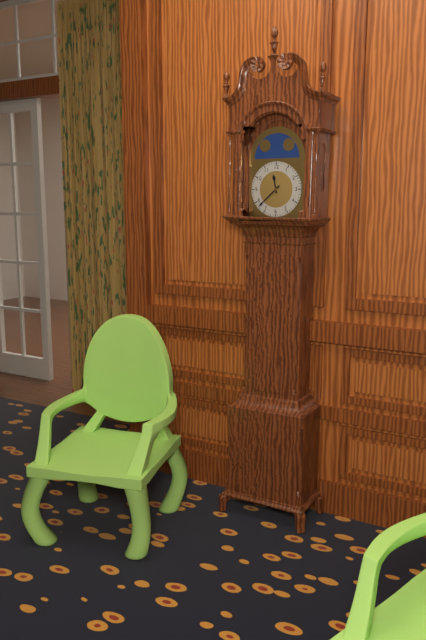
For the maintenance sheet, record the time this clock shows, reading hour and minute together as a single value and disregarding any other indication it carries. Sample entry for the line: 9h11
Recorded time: 11h38
